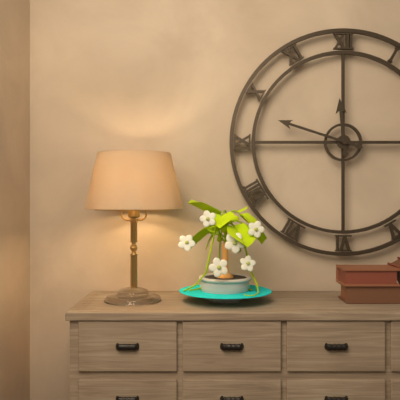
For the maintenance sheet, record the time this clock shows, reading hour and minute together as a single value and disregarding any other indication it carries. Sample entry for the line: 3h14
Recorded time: 11h48
